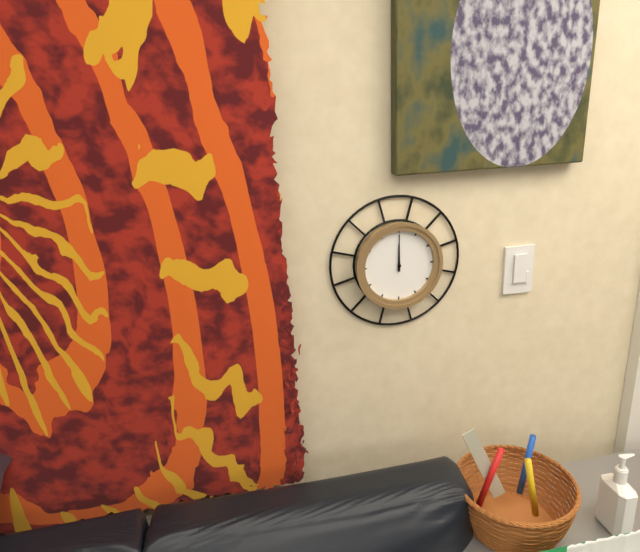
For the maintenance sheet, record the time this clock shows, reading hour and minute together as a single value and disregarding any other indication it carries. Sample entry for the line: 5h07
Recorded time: 12h00
